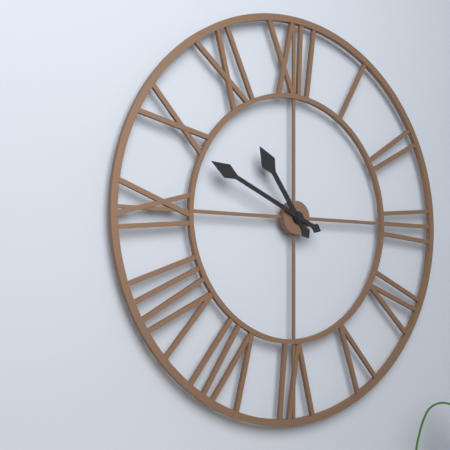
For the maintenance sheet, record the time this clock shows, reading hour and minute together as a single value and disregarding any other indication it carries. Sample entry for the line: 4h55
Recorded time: 10h49
